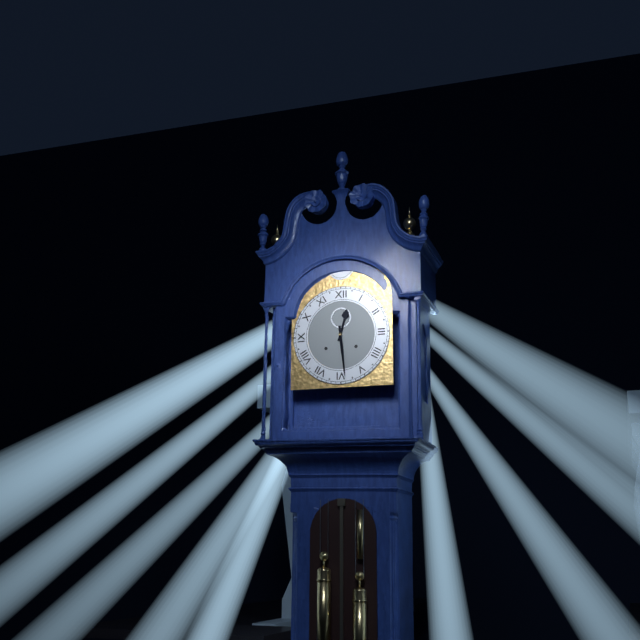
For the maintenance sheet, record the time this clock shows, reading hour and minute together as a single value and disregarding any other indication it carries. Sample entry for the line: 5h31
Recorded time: 12h29
